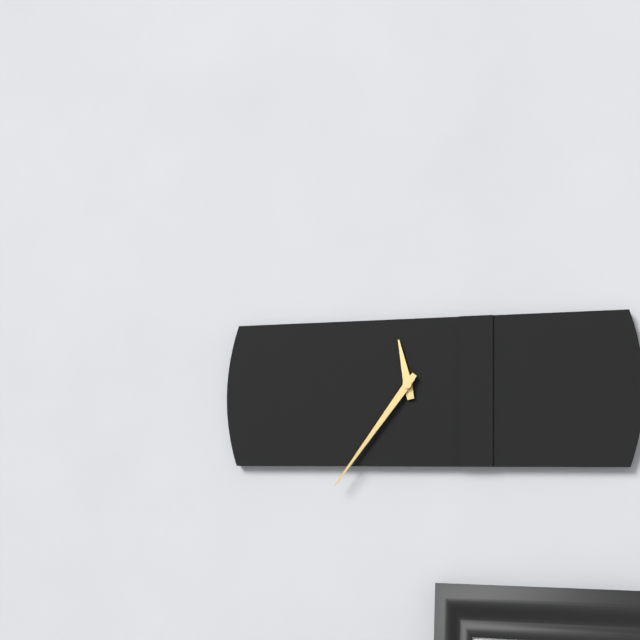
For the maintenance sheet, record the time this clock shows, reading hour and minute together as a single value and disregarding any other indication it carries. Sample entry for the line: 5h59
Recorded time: 11h36
